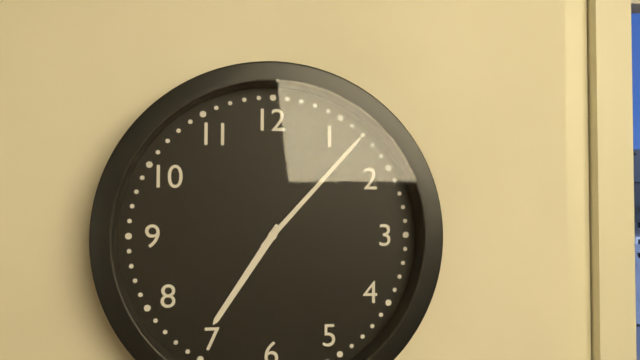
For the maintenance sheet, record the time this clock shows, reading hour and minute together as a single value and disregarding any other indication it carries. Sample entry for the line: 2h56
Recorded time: 7h07
